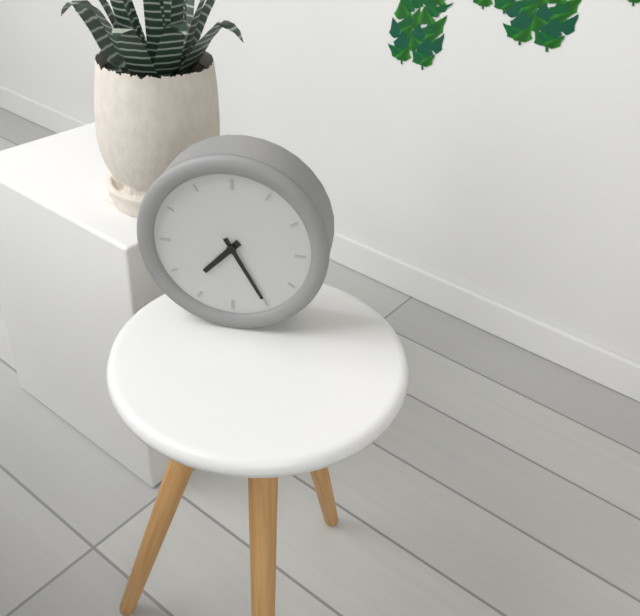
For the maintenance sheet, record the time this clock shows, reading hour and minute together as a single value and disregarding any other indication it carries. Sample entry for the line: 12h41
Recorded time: 7h25
